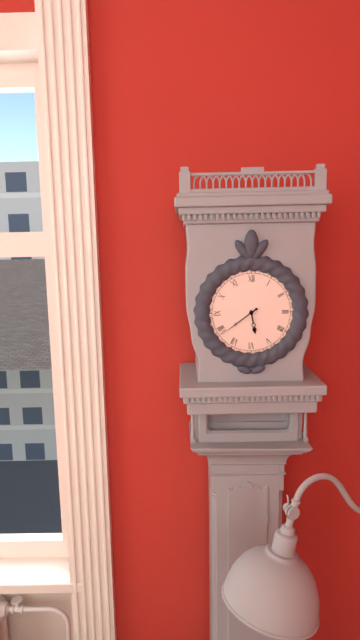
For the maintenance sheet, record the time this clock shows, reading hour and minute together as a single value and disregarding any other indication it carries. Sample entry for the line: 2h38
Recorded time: 5h39
